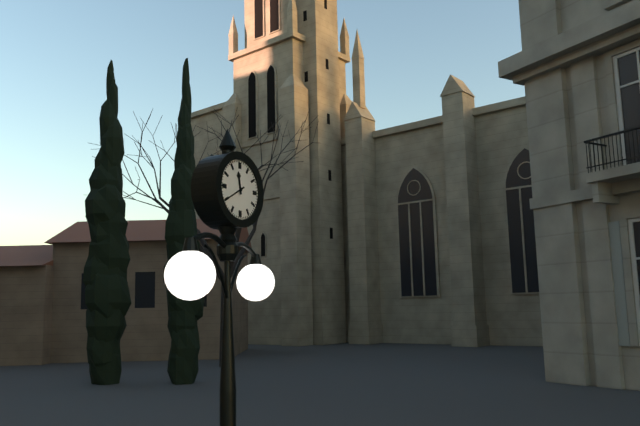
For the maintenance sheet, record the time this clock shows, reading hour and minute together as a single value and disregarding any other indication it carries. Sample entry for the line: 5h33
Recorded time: 11h40
